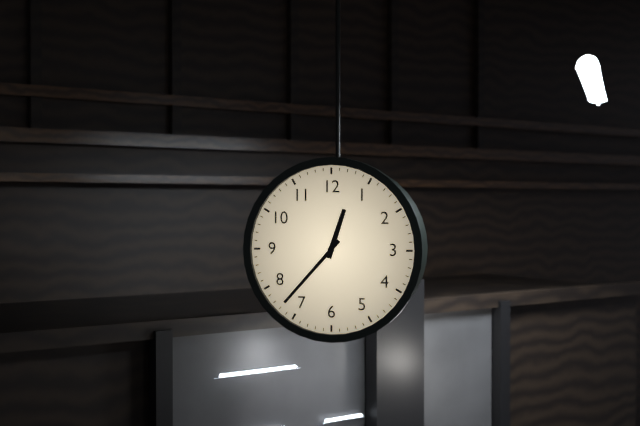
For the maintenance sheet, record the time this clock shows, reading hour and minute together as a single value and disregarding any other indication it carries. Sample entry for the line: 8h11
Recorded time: 12h37
